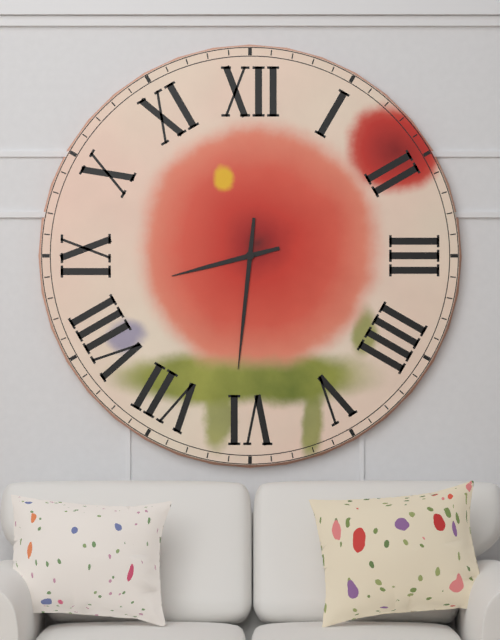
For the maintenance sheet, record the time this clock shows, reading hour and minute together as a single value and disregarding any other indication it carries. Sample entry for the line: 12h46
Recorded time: 8h31
